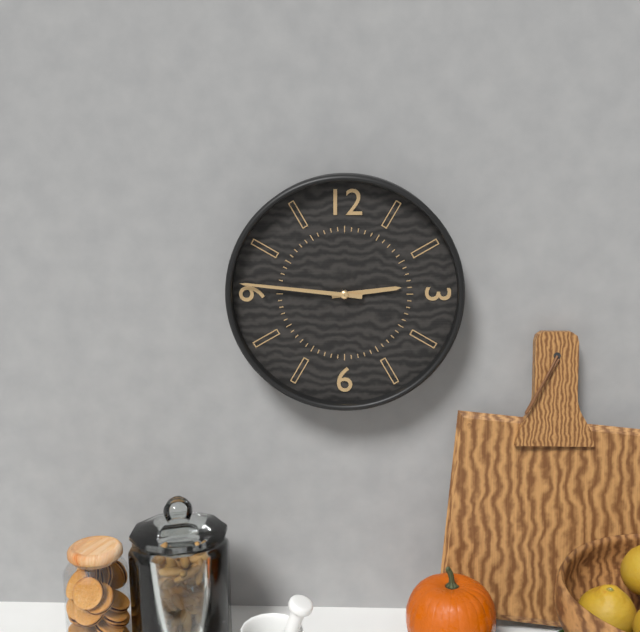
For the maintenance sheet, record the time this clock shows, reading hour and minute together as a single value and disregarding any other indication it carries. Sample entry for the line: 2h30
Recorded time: 2h46
